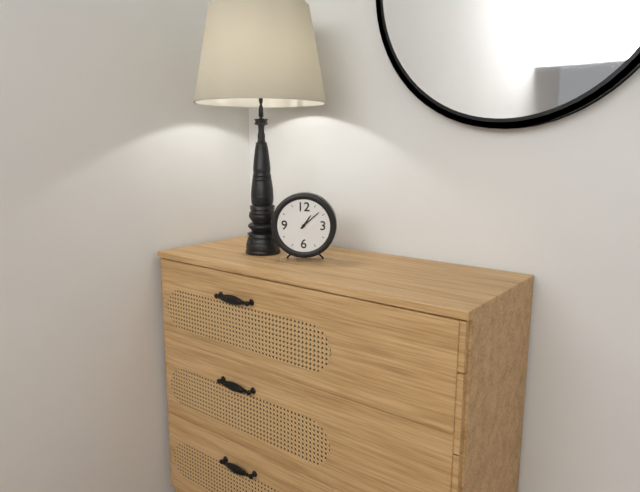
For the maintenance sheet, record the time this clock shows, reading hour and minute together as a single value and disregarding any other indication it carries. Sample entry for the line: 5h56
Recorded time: 1h08
